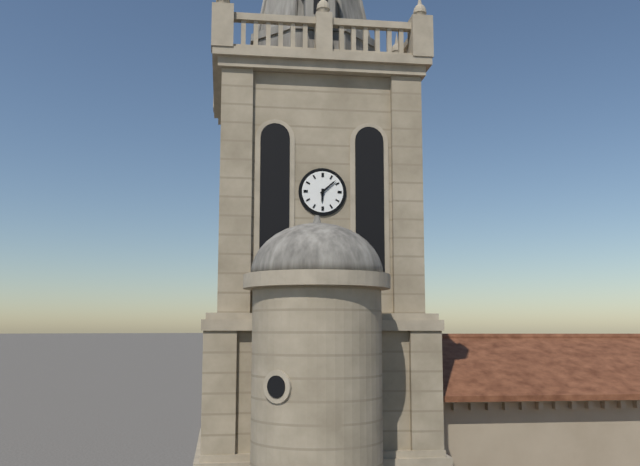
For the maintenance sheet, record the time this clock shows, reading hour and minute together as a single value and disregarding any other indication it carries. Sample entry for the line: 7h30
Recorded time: 6h08
